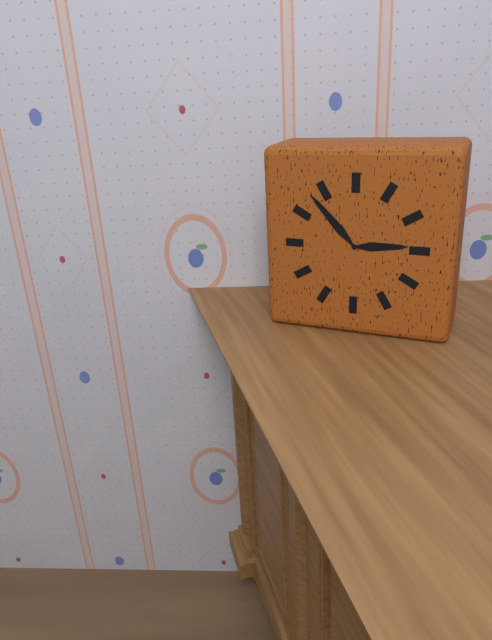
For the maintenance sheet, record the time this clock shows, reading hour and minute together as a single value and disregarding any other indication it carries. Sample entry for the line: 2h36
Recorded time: 2h53
